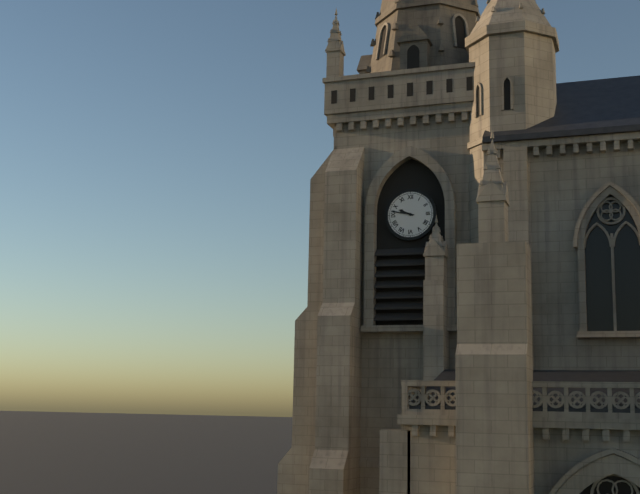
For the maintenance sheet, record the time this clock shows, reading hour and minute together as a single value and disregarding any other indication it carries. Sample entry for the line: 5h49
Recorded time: 9h47
